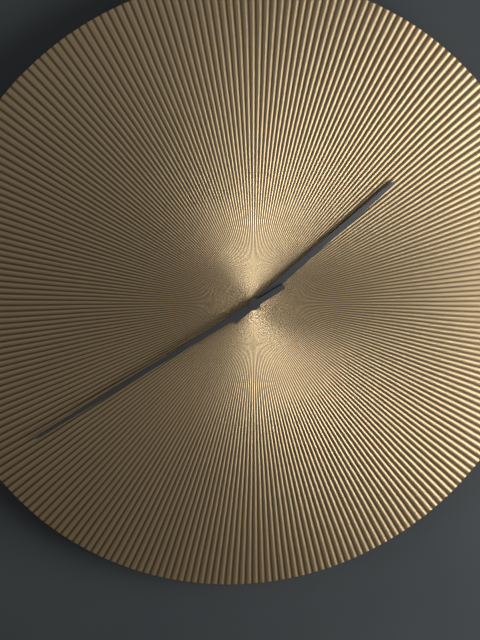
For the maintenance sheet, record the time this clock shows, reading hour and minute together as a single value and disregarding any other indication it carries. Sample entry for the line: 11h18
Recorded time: 1h40
